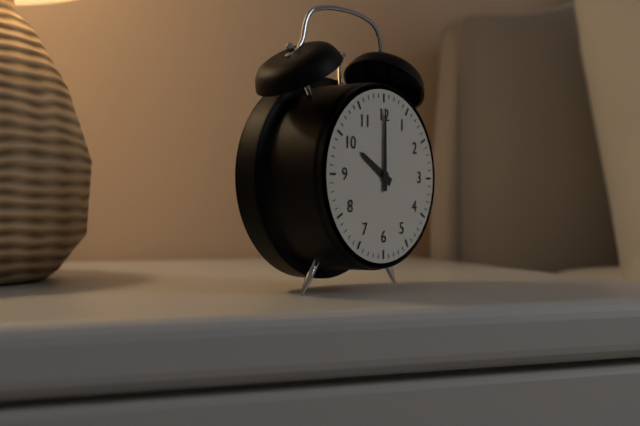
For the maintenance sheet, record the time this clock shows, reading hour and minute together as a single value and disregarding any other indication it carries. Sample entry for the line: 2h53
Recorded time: 10h00
